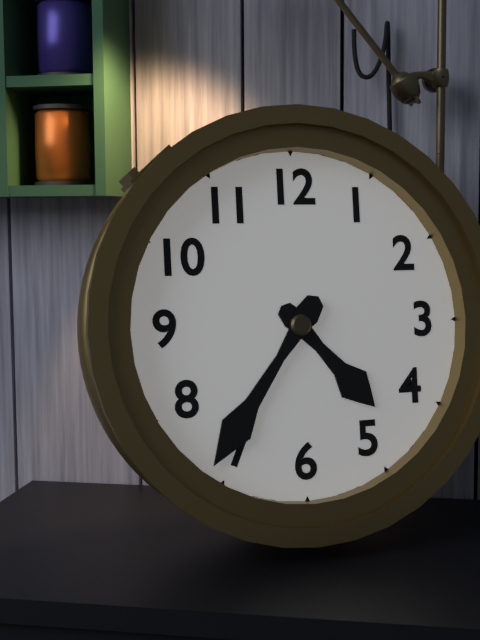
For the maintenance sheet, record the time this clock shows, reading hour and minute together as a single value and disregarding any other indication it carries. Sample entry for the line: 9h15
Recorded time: 4h36
